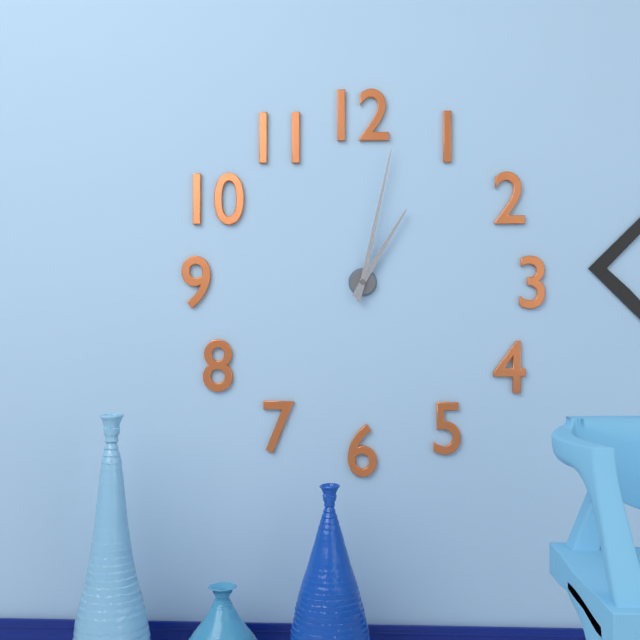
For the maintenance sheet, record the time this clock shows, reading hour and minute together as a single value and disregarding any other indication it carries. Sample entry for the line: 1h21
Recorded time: 1h02
